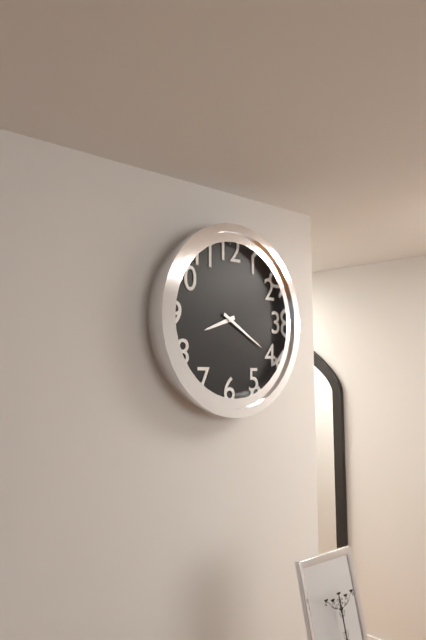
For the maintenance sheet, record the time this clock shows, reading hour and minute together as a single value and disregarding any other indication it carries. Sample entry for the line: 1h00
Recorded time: 8h20
